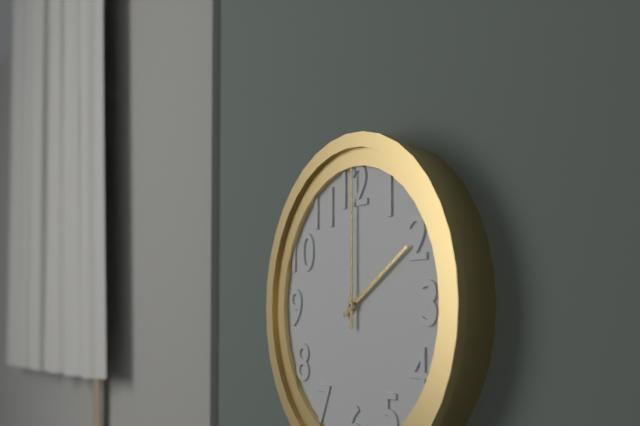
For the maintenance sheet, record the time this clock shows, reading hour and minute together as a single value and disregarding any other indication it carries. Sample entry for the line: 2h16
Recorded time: 2h00
